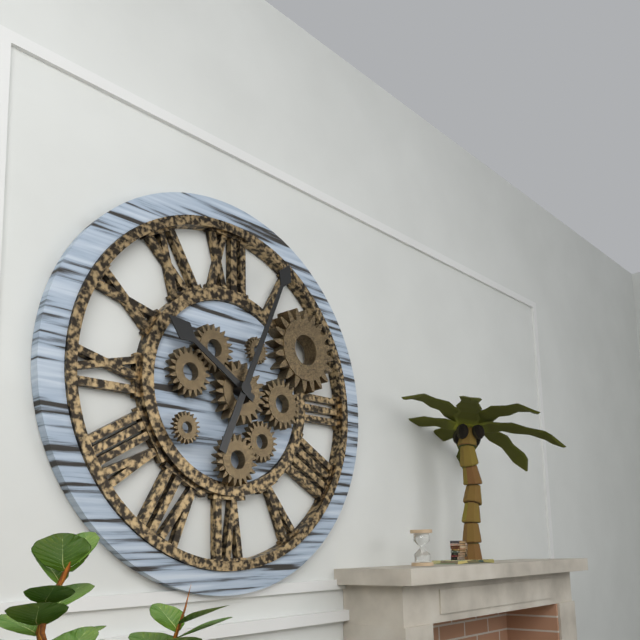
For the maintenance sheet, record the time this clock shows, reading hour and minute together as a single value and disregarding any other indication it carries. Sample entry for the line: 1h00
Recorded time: 10h04
